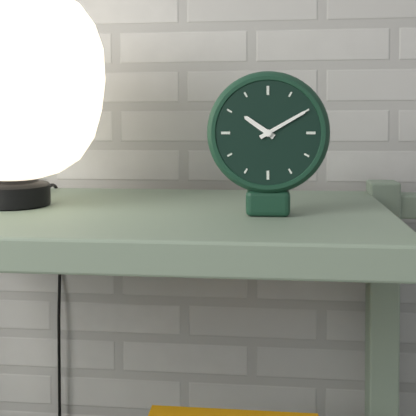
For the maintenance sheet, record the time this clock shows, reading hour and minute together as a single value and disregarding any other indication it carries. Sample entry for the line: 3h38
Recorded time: 10h10
